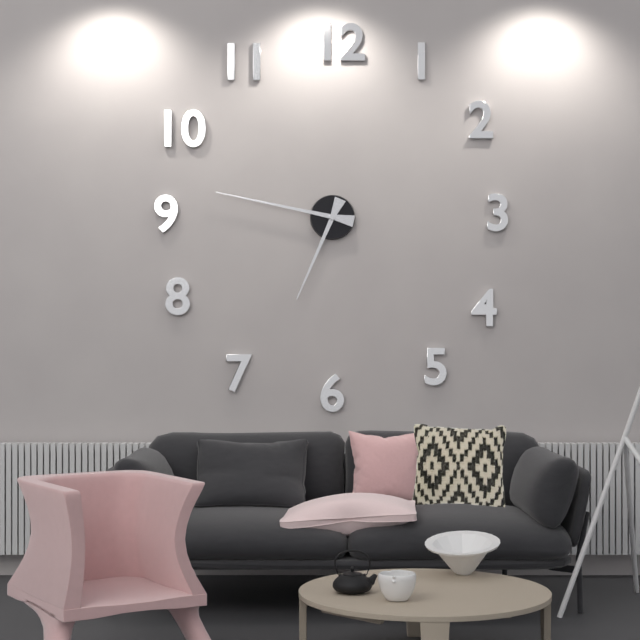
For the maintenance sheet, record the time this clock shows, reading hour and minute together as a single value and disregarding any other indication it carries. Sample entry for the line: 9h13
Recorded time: 6h47
